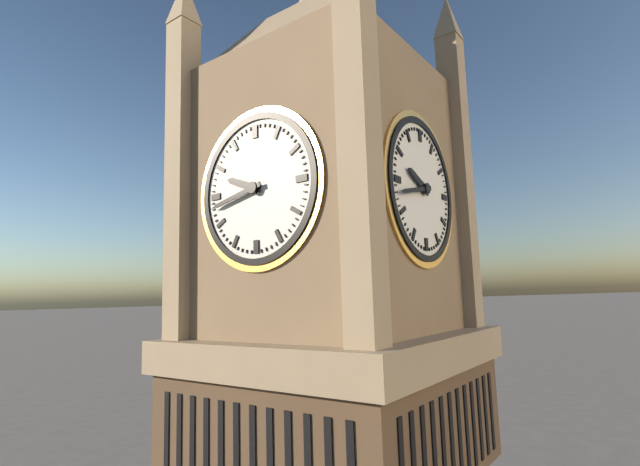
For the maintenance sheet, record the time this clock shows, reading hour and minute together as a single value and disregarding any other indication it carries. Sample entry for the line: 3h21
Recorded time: 9h43
